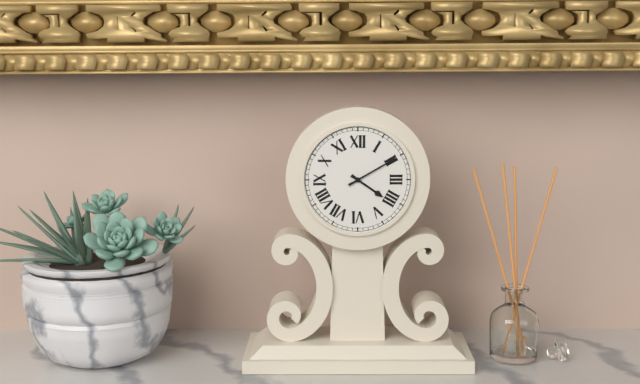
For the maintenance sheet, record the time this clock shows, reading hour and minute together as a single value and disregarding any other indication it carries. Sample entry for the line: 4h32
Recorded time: 4h10
